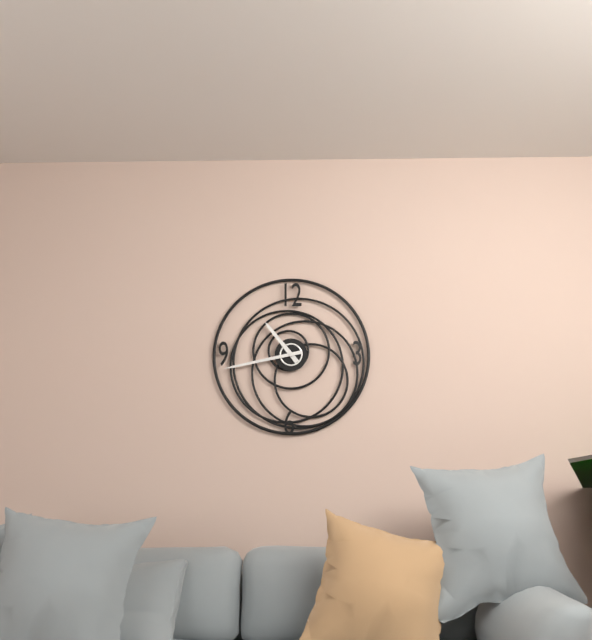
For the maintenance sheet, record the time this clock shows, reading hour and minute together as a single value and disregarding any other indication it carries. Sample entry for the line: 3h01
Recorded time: 10h43
